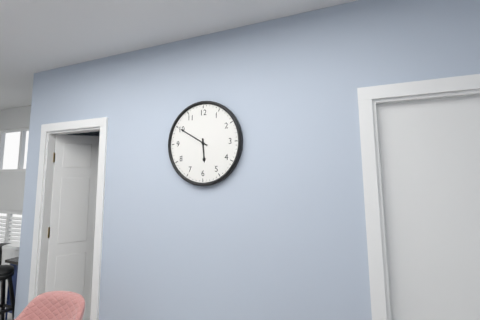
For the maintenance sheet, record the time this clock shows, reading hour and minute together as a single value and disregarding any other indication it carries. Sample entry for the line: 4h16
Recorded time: 5h50
